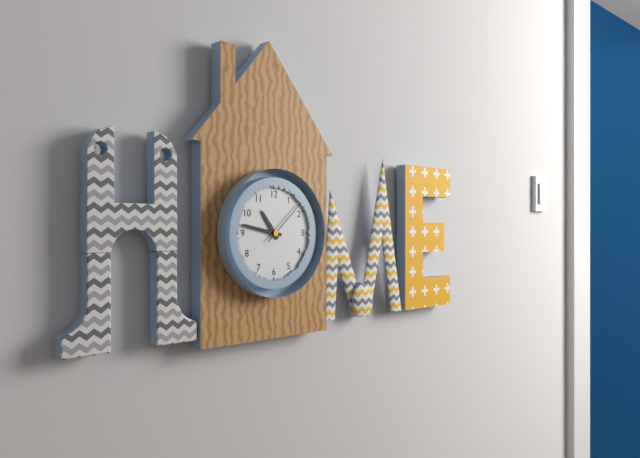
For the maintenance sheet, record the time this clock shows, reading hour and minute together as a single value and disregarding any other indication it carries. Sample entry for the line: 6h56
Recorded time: 10h47
